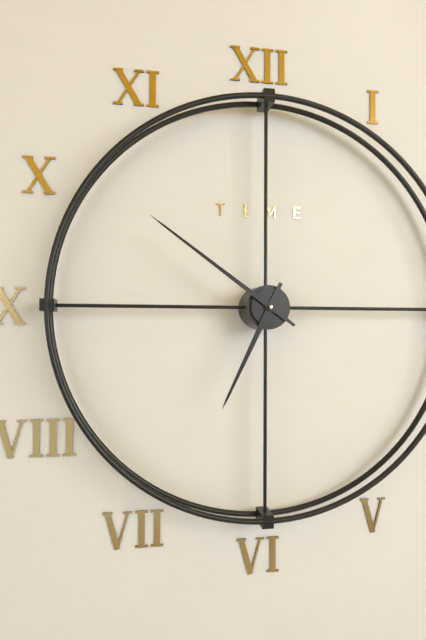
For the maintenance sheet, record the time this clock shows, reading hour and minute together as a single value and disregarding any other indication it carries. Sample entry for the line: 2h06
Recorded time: 6h51
